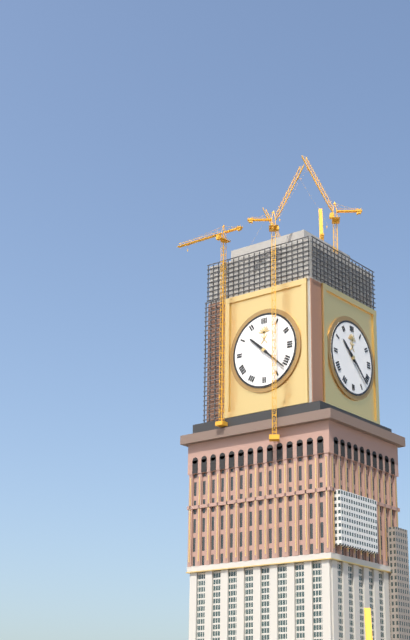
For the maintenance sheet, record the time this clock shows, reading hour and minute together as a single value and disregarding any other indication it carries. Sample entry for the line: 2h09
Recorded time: 10h22
